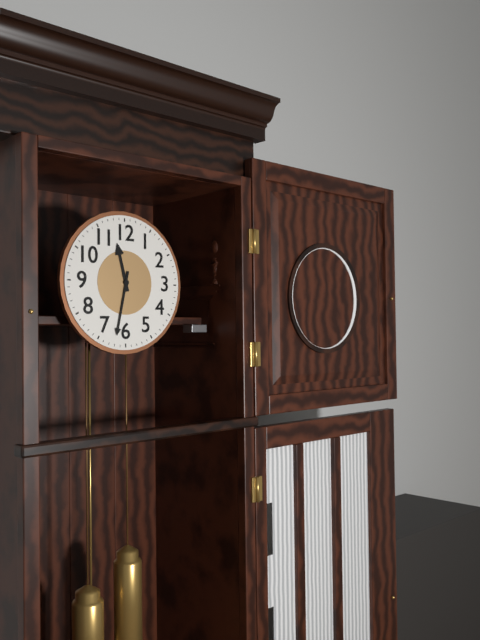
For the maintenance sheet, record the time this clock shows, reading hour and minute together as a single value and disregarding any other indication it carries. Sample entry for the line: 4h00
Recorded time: 11h32
